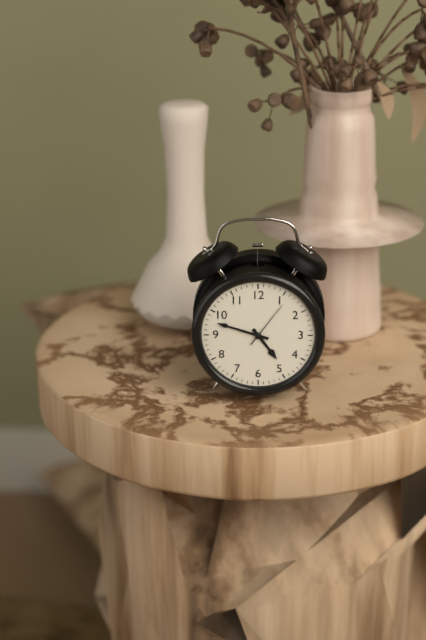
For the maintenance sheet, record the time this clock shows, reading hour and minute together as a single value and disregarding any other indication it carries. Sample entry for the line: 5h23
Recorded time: 4h48
